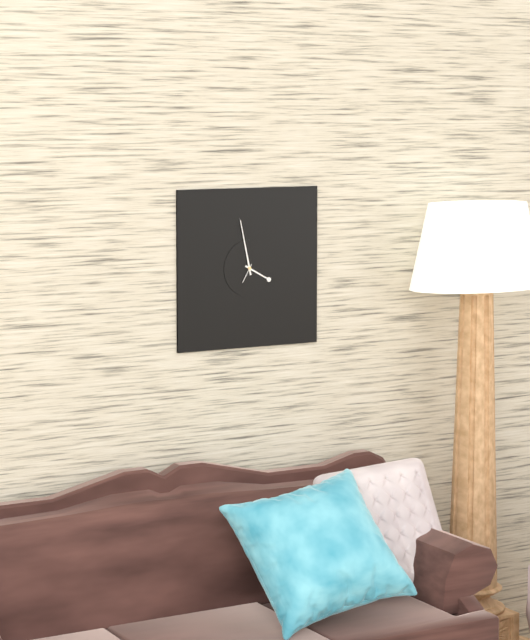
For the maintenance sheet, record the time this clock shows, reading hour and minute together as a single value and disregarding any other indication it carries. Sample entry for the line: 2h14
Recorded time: 3h58
